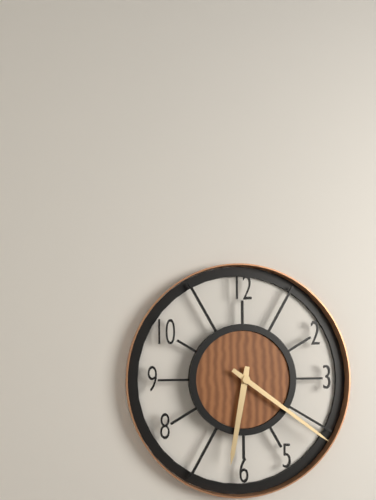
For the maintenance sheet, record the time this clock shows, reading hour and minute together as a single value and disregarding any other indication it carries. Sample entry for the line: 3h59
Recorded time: 6h21
